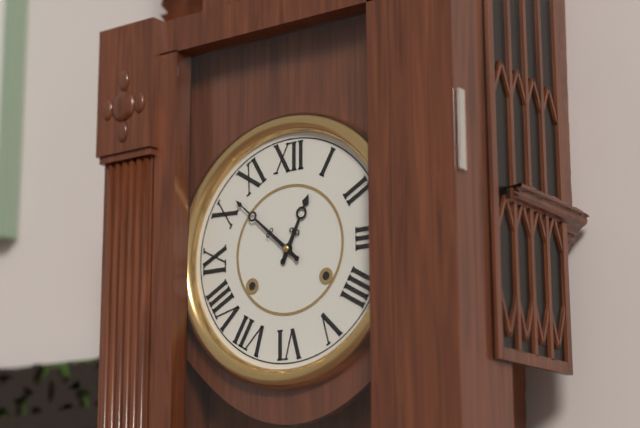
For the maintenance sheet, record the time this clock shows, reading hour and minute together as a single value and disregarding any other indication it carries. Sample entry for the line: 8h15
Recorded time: 12h52
